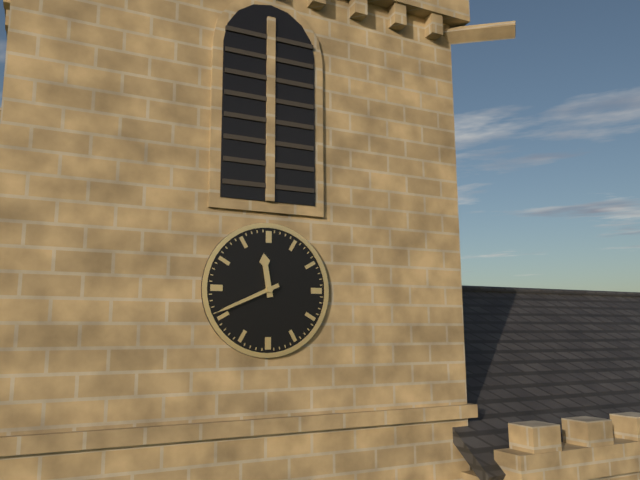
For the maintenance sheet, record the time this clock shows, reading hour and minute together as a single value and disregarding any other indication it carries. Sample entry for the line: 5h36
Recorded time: 11h41
